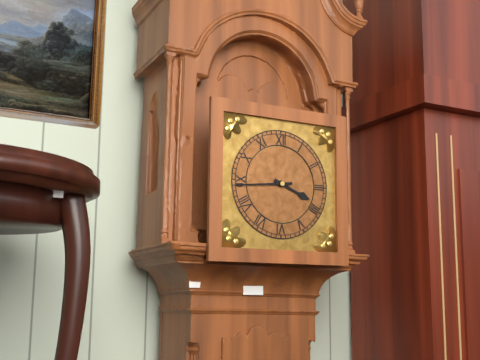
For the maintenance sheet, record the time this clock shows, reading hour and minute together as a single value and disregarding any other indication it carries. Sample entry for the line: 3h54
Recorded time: 3h44
